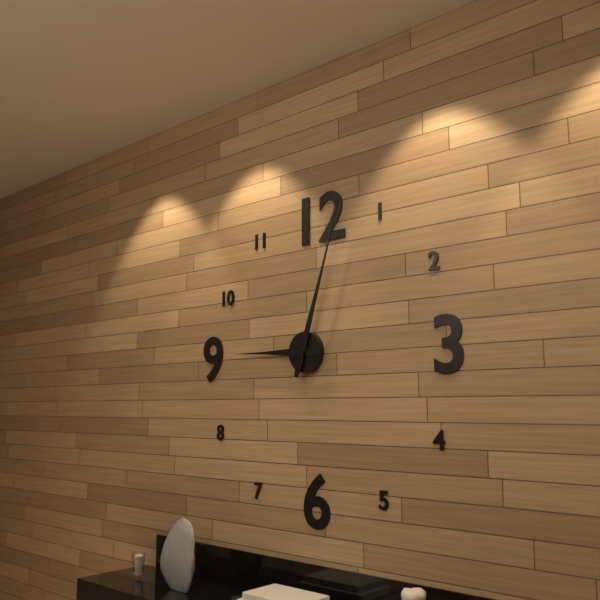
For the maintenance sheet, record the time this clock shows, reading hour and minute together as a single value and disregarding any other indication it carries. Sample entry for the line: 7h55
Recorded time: 9h03
